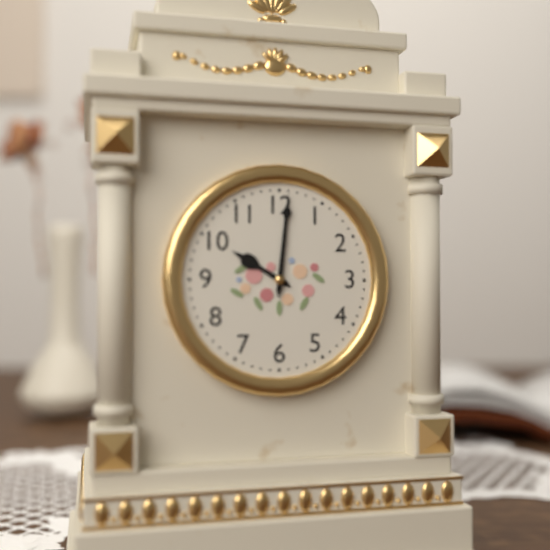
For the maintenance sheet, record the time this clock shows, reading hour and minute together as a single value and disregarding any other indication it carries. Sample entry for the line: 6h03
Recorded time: 10h01
